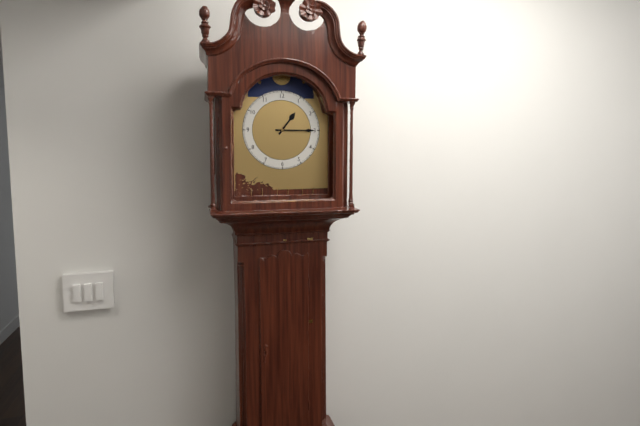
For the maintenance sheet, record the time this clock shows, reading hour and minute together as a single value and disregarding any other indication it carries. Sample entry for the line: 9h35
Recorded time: 1h15
